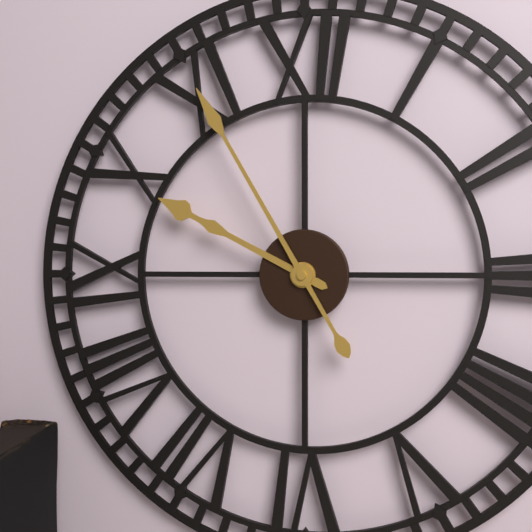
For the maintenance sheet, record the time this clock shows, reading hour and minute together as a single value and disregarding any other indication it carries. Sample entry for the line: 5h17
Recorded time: 9h55
